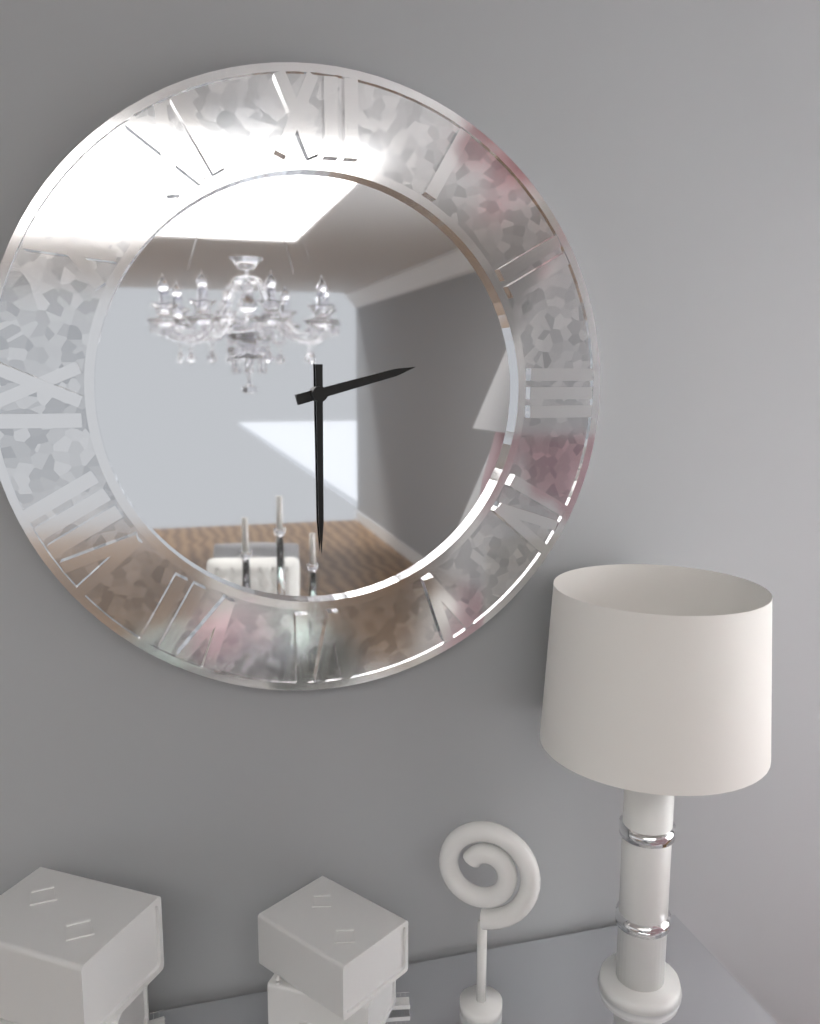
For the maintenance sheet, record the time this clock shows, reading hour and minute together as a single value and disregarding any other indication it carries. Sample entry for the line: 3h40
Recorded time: 2h30
